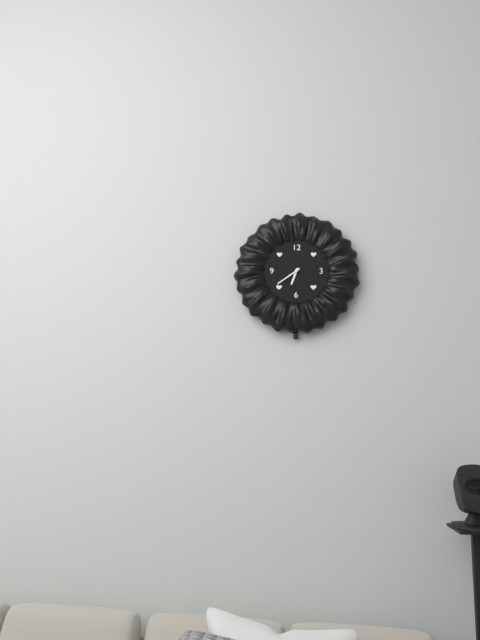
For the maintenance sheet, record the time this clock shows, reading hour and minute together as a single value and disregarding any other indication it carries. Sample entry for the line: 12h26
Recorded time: 6h39
